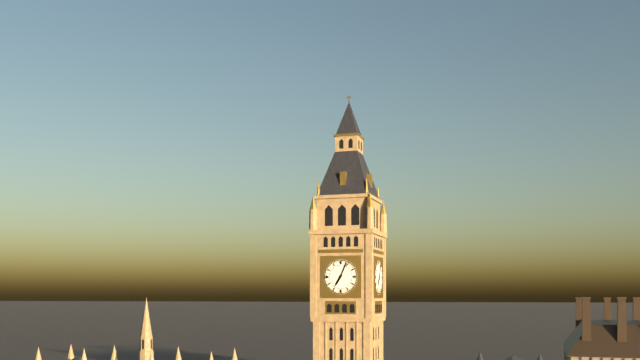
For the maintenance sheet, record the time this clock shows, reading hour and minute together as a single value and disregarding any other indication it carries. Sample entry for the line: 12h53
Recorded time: 7h04
